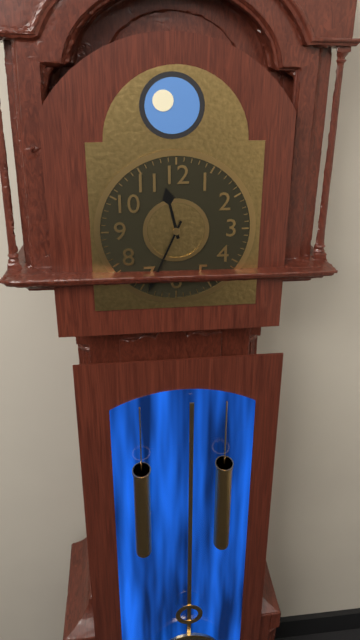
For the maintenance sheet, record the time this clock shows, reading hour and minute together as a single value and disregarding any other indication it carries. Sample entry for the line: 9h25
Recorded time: 11h34
